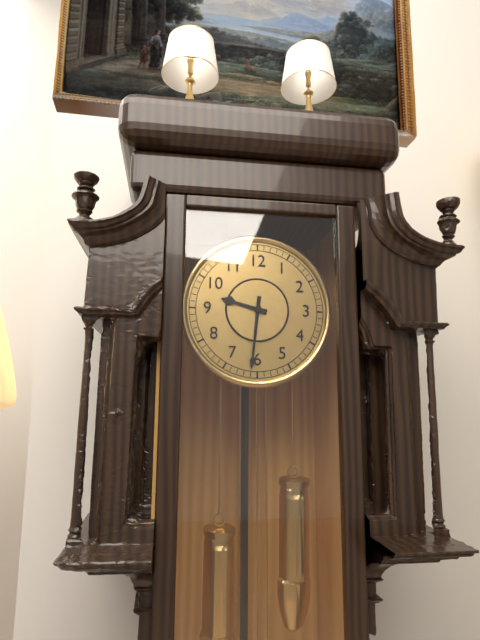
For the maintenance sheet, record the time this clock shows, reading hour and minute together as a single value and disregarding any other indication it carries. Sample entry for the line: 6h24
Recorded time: 9h31
